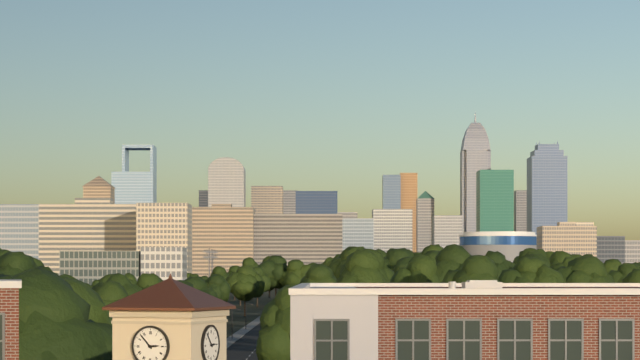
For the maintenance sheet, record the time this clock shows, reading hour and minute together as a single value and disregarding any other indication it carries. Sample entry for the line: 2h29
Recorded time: 2h53
